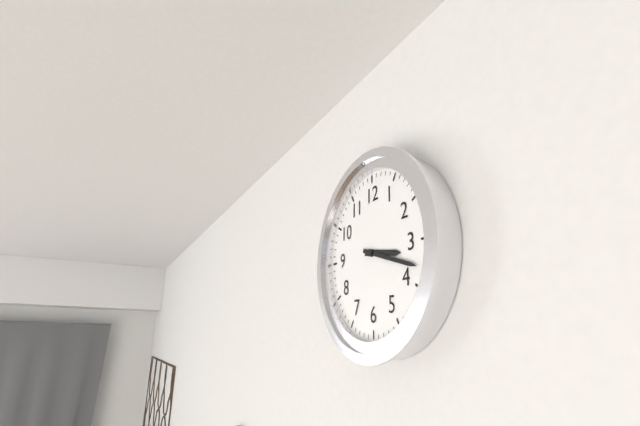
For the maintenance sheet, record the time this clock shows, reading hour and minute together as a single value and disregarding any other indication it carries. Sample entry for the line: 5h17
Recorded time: 3h18
